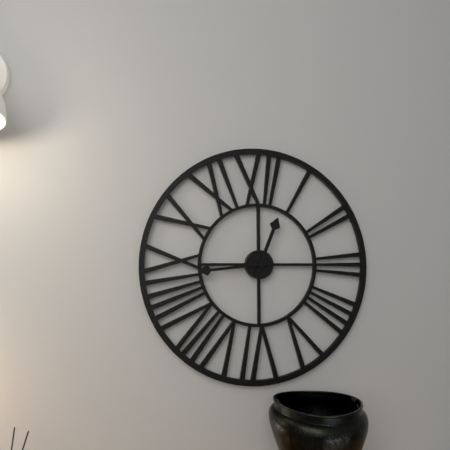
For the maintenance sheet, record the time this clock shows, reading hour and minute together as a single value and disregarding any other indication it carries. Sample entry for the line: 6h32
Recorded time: 12h44
